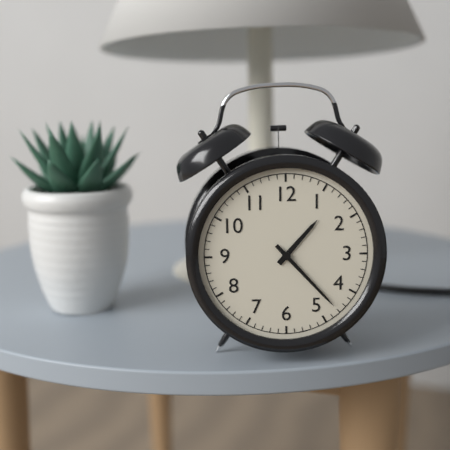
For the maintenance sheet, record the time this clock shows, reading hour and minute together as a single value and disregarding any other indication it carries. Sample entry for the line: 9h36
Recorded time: 1h23
